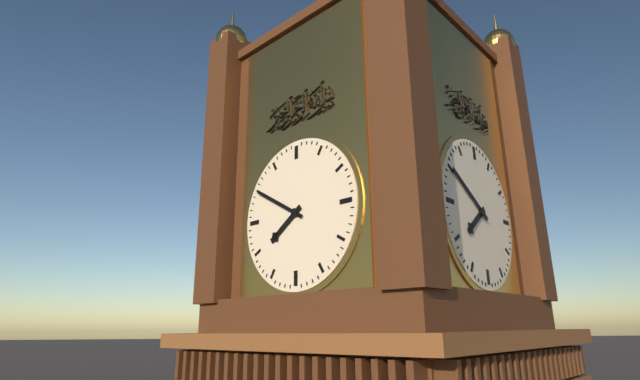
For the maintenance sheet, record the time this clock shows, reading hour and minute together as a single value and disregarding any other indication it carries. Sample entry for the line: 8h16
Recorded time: 7h50
